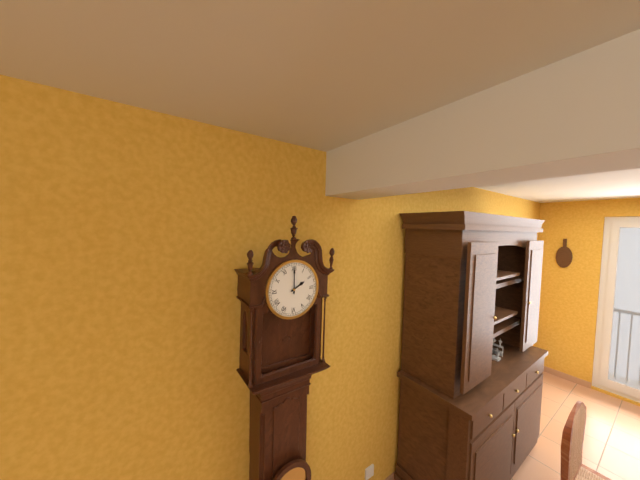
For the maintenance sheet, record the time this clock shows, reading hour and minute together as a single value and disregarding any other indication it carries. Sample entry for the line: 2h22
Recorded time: 2h00
